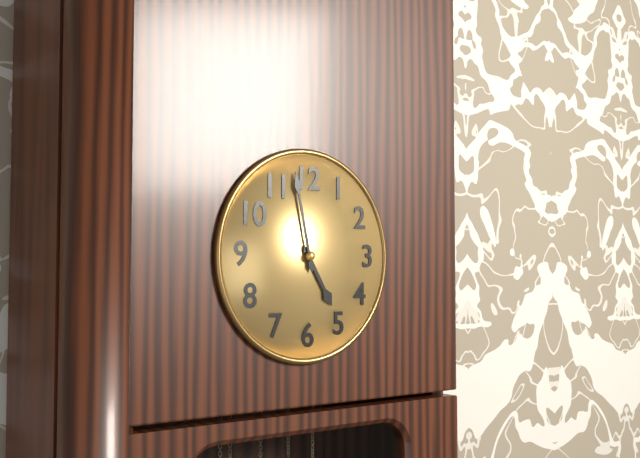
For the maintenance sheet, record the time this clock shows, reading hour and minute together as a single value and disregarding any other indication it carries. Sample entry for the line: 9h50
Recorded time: 4h58
